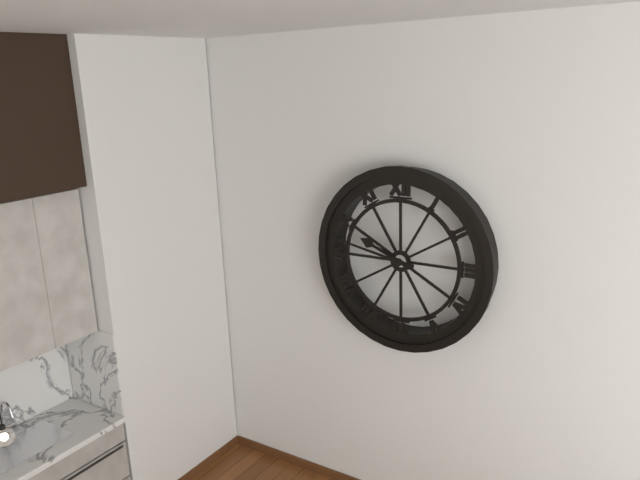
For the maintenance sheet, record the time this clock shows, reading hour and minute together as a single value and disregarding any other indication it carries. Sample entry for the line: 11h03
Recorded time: 9h47
